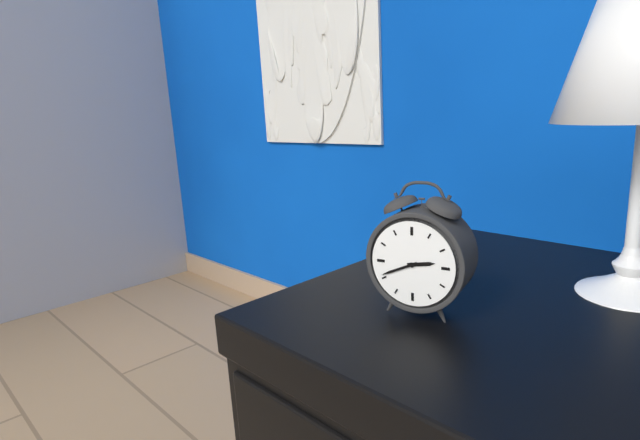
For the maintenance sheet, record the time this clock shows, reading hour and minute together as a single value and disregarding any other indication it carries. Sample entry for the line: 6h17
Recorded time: 2h41
